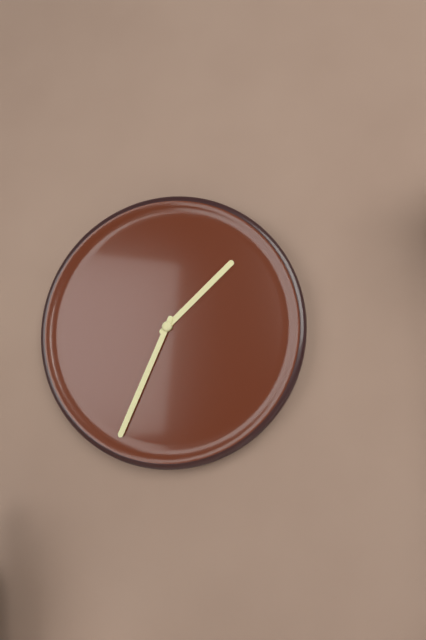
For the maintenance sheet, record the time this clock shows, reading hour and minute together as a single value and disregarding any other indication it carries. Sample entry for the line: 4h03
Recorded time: 1h34
